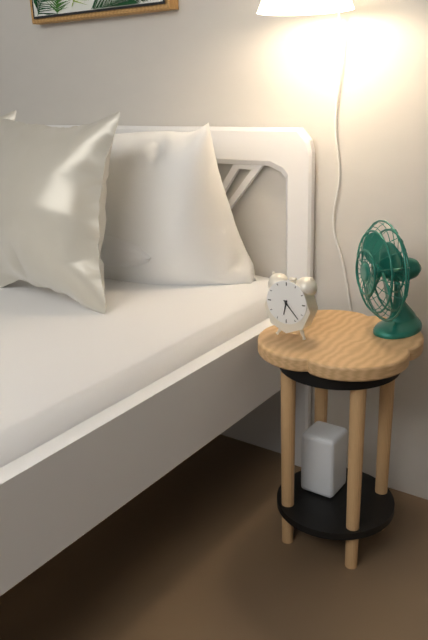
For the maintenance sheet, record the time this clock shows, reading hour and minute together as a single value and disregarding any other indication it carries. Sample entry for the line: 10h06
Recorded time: 6h23
